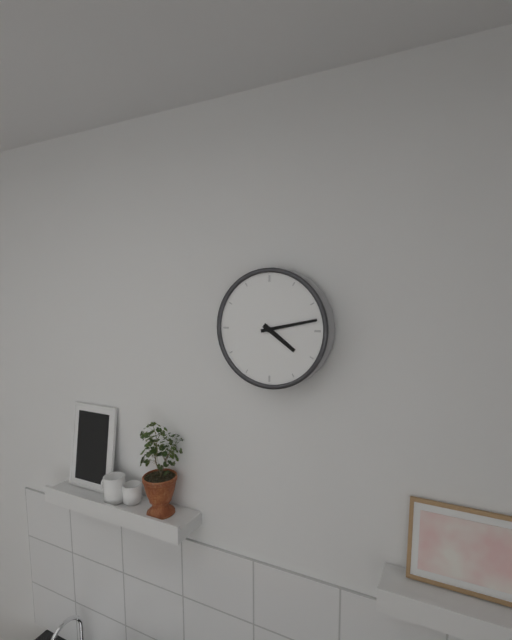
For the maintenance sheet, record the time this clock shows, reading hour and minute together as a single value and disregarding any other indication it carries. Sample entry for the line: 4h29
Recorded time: 4h13
